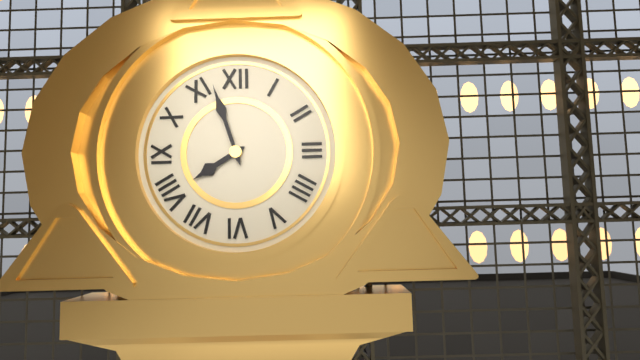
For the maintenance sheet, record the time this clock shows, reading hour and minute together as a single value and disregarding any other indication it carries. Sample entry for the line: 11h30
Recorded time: 7h57
